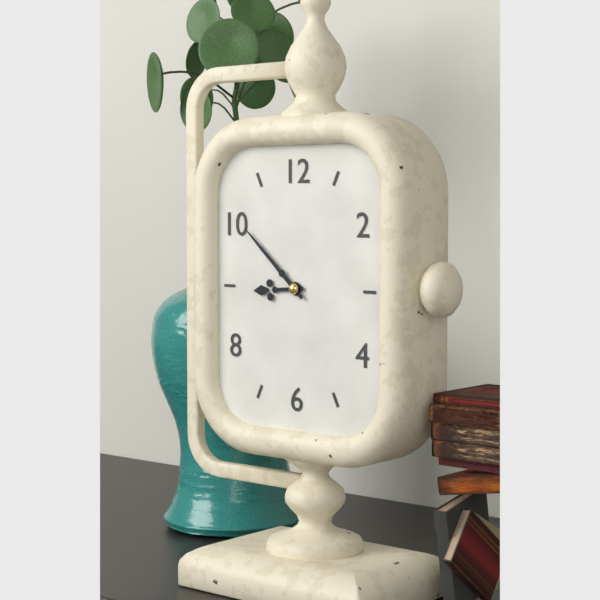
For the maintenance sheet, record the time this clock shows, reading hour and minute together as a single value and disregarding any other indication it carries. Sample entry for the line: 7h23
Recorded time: 8h52
